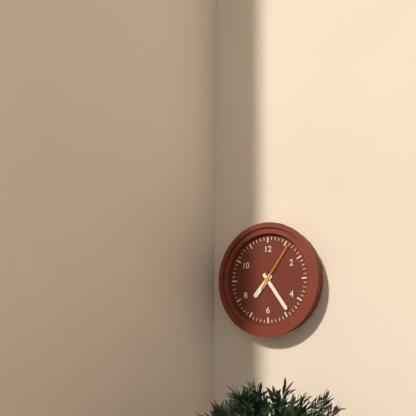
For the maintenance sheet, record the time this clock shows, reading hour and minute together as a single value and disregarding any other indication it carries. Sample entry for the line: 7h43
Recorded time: 7h24
